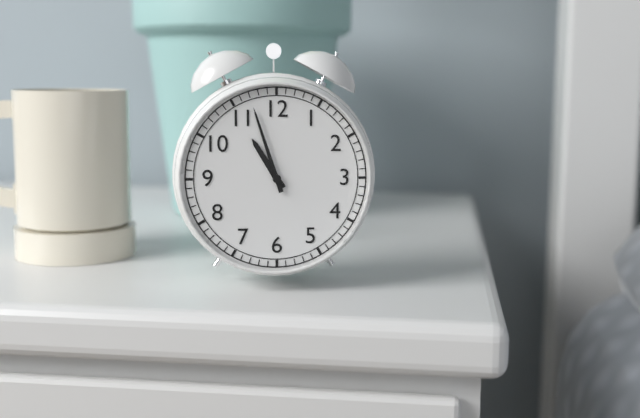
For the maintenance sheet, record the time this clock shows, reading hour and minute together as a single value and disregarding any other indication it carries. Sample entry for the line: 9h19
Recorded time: 10h57
